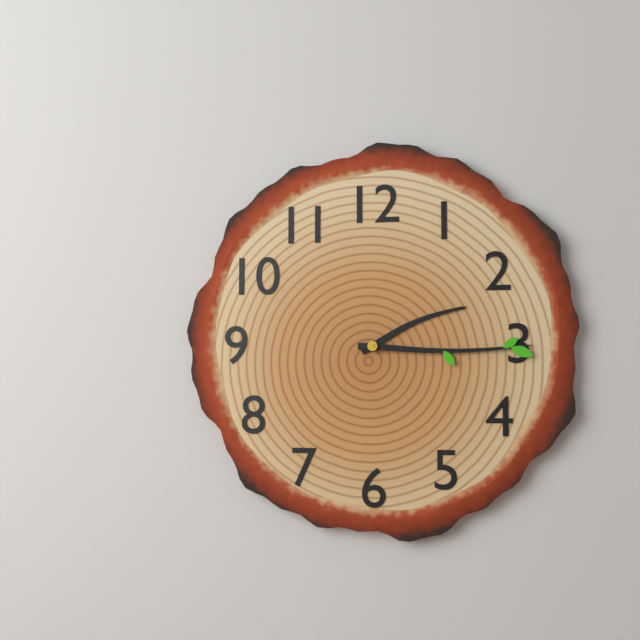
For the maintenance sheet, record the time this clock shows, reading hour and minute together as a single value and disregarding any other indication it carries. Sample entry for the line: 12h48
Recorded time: 2h15
